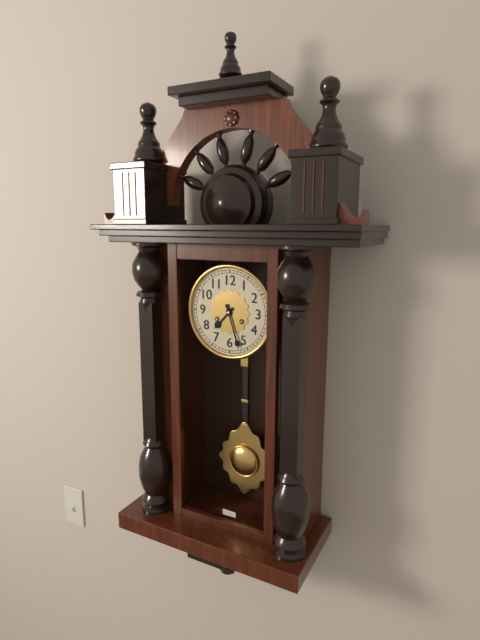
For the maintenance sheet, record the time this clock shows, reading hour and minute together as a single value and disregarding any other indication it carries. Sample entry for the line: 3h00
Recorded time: 7h27
